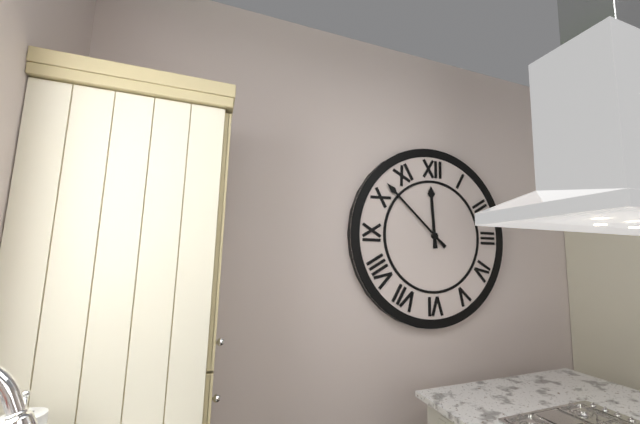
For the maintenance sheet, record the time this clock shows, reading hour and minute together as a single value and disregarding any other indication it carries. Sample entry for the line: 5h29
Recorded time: 11h52
